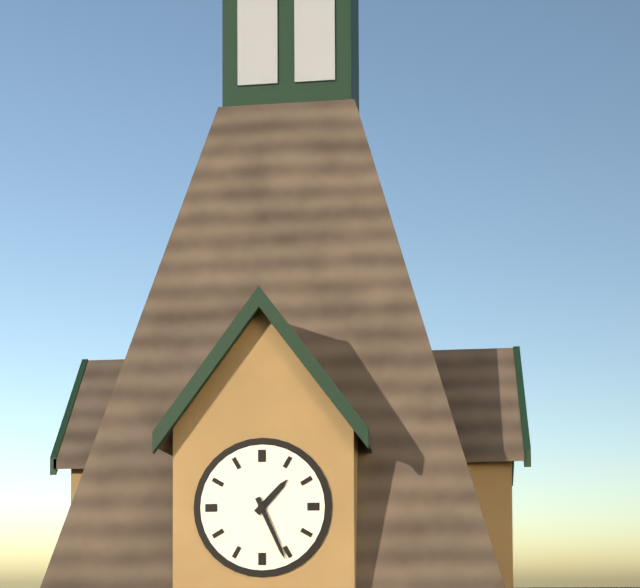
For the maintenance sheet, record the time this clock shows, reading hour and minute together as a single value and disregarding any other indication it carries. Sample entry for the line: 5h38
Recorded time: 1h26
